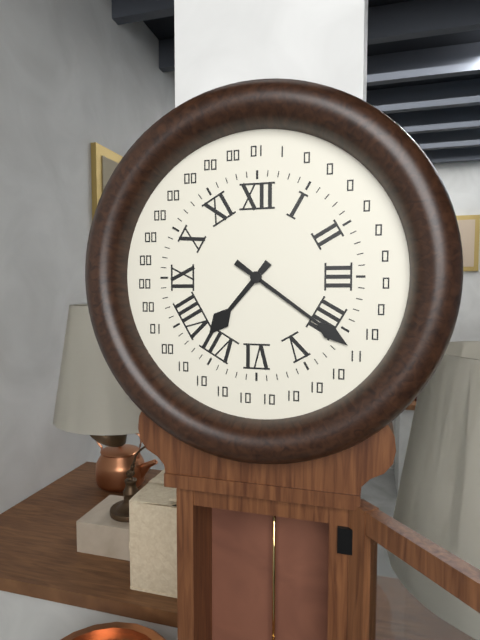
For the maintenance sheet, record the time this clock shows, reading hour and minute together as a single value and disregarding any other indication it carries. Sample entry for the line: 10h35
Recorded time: 7h21
